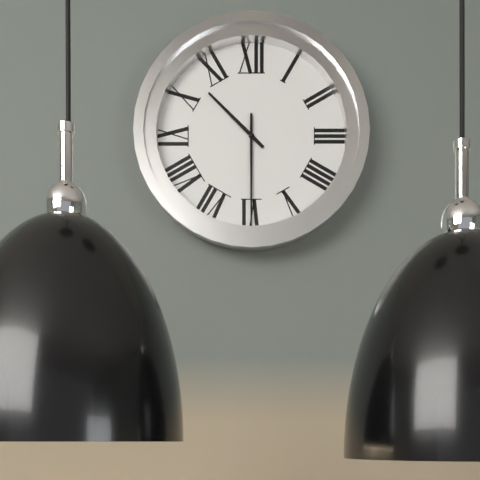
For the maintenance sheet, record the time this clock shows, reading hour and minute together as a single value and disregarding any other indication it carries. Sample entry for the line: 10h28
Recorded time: 10h30
